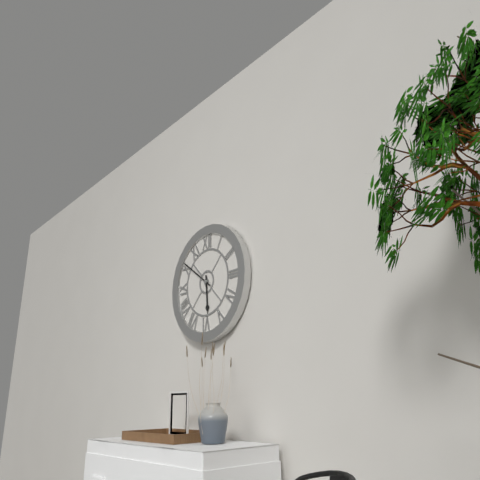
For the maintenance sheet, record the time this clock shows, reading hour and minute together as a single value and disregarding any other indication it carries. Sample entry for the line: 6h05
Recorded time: 5h51
